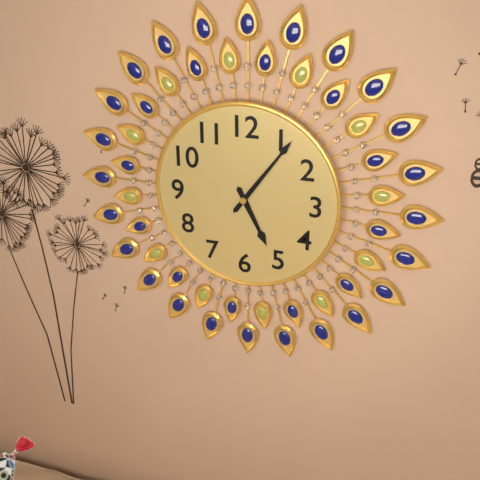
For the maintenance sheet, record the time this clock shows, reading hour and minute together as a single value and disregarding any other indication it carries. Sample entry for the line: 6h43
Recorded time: 5h06
